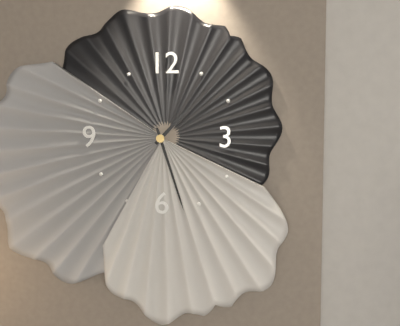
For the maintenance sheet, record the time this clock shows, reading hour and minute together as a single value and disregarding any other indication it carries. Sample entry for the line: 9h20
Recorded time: 1h27
